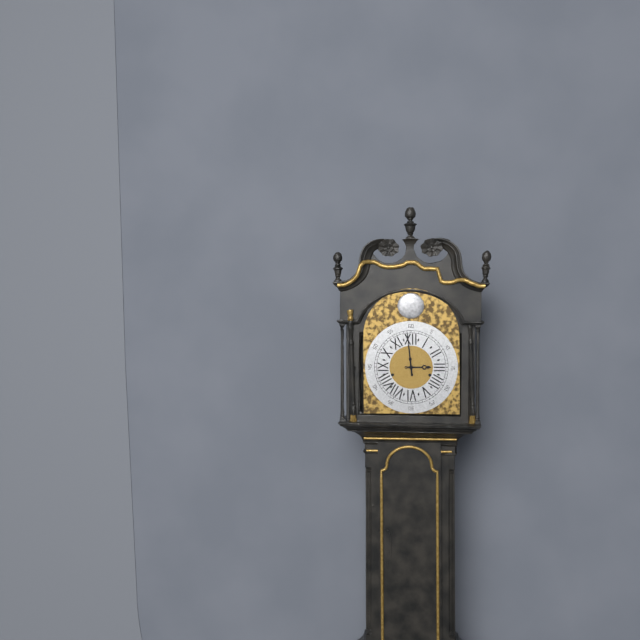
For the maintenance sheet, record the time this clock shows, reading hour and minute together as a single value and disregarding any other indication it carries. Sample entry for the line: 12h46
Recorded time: 2h59
